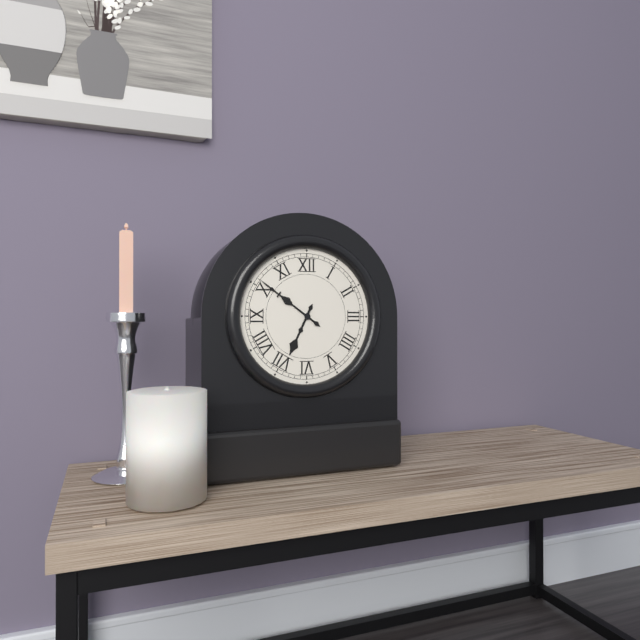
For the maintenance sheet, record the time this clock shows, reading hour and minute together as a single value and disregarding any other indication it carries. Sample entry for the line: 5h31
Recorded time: 6h51
